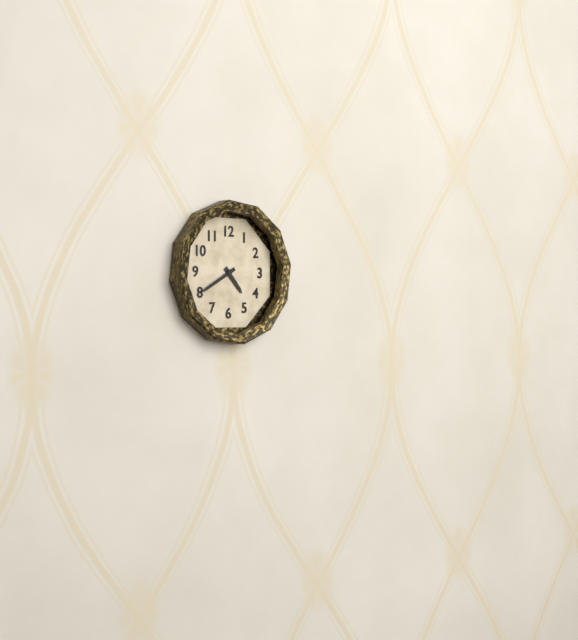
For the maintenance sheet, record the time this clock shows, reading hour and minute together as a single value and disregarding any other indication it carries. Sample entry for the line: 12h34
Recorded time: 4h40
